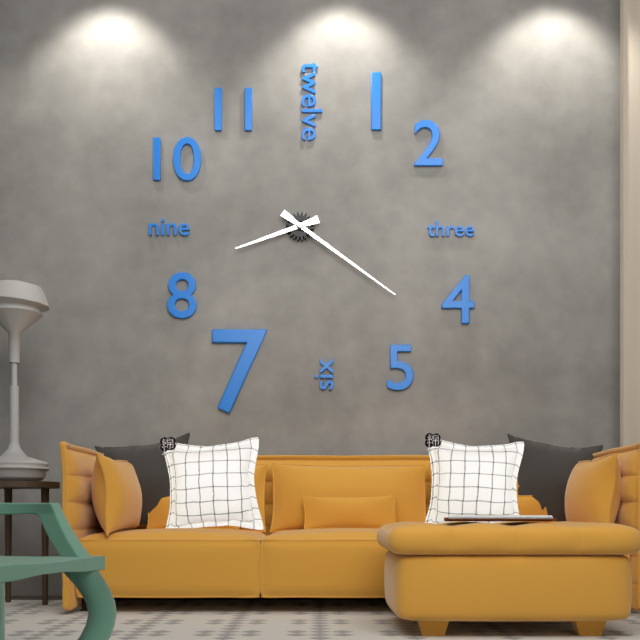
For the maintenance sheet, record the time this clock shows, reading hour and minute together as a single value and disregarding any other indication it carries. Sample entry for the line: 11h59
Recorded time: 8h21
